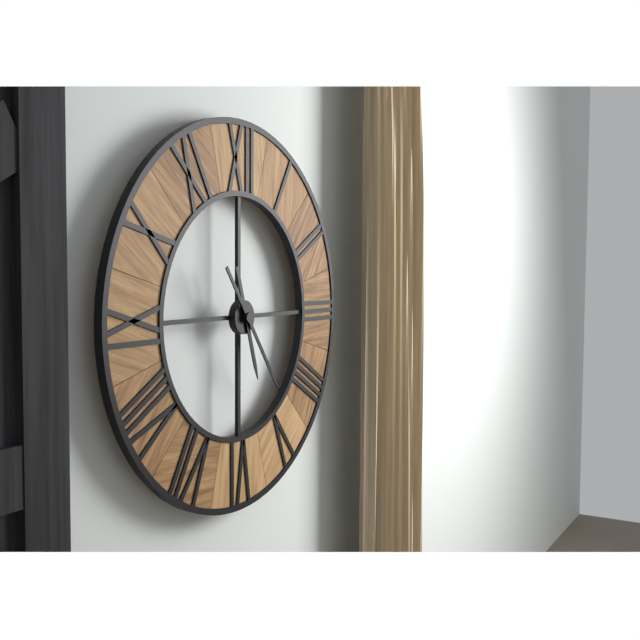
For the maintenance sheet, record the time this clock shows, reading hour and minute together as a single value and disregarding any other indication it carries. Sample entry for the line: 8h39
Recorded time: 5h24
